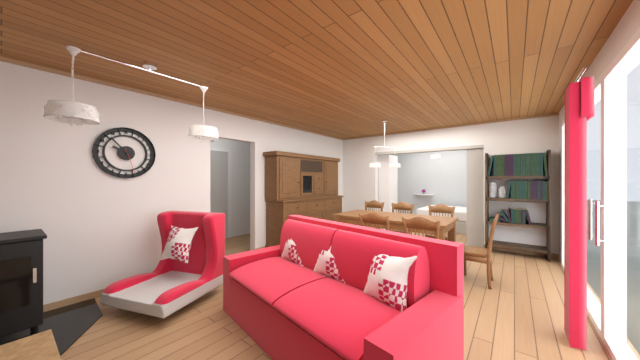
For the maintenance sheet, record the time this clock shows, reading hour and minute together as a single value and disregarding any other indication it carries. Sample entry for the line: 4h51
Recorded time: 9h53
